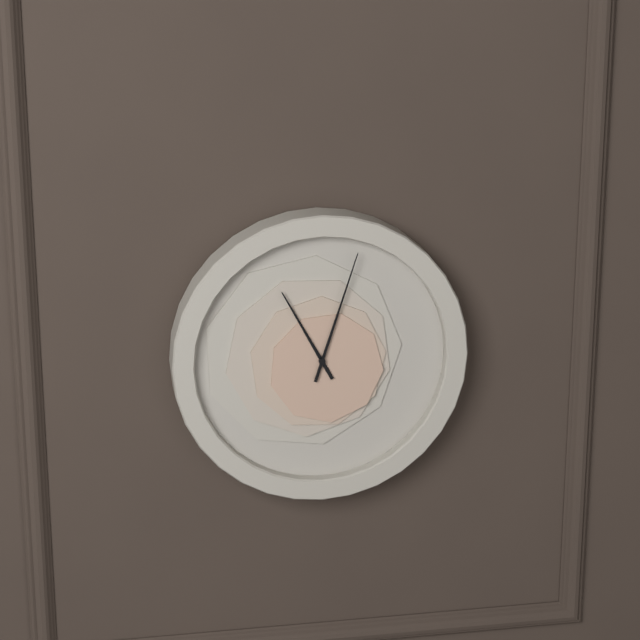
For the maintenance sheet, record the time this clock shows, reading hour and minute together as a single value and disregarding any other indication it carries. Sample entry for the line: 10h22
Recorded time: 11h03
